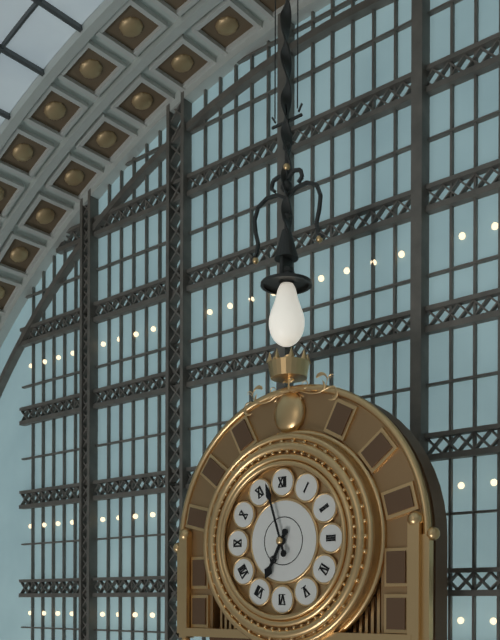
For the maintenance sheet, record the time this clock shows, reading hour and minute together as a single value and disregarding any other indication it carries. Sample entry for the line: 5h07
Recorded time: 6h57
